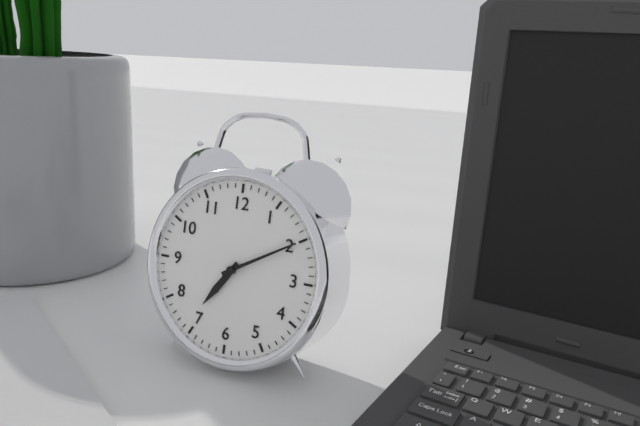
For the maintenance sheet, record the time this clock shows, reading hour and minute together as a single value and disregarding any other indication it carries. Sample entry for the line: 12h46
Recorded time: 7h10
